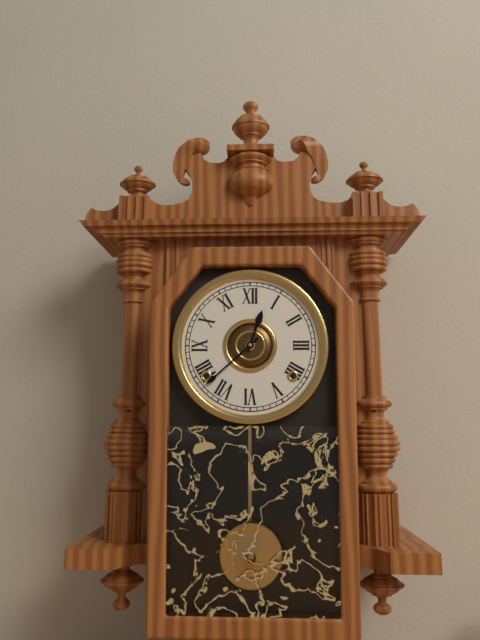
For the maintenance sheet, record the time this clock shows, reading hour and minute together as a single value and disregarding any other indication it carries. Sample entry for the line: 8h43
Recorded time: 12h38
